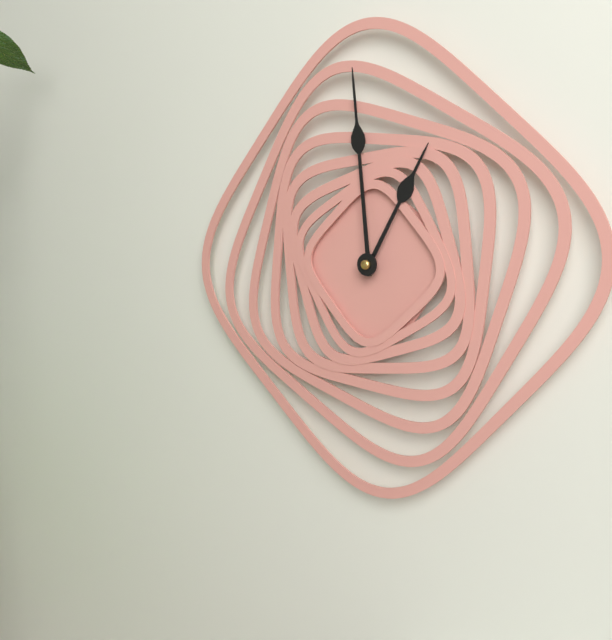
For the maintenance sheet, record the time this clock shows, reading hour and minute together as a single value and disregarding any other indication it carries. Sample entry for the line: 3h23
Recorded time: 12h59
